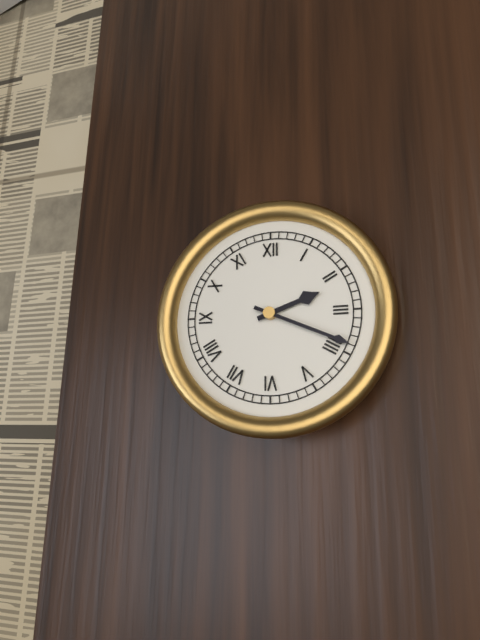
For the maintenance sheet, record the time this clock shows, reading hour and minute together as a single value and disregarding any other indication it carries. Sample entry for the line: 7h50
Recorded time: 2h19
